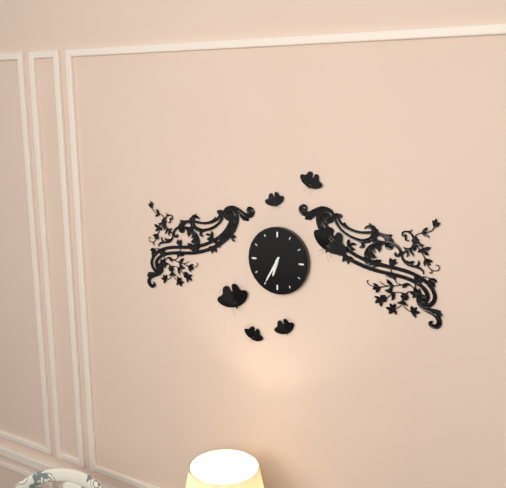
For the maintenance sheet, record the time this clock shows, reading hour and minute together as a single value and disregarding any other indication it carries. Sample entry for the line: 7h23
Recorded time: 6h35
